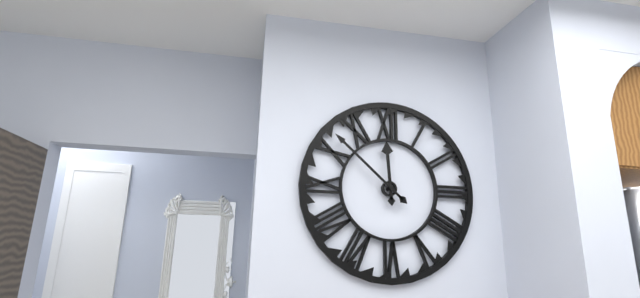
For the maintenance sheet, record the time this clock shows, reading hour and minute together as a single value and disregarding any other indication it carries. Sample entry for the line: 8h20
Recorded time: 11h52
